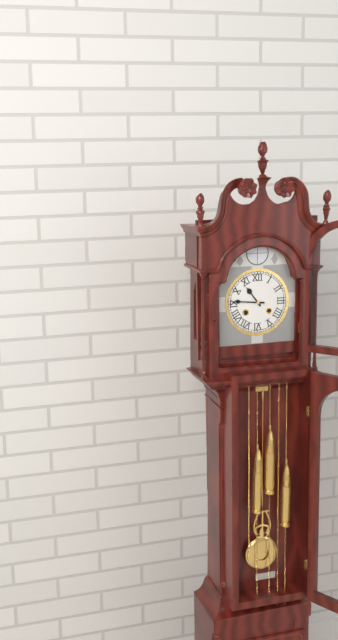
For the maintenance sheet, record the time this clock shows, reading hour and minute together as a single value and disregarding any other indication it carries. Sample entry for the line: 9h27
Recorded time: 10h46
